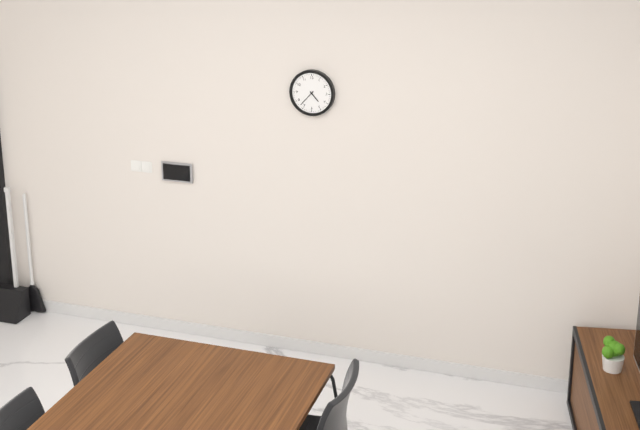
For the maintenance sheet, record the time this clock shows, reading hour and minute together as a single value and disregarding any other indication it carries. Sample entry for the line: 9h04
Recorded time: 4h37
